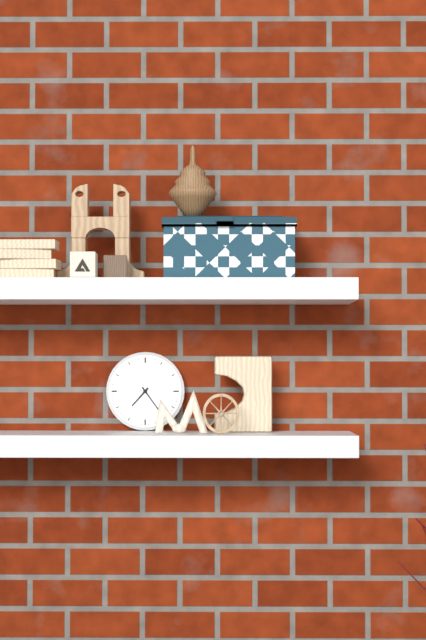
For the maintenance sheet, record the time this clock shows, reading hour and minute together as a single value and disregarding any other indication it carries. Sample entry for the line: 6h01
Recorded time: 7h24
